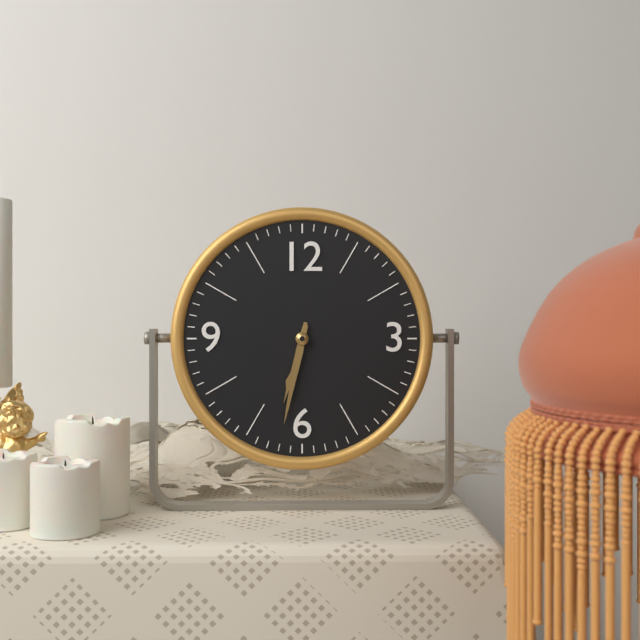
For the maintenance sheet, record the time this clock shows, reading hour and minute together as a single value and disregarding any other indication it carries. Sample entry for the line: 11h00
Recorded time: 6h32
